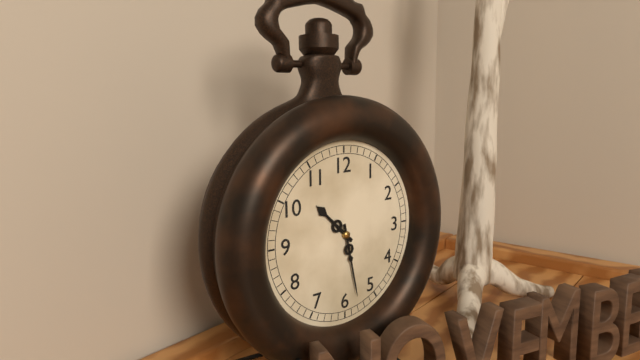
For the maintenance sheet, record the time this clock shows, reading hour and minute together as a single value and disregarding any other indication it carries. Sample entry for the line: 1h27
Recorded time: 10h28
